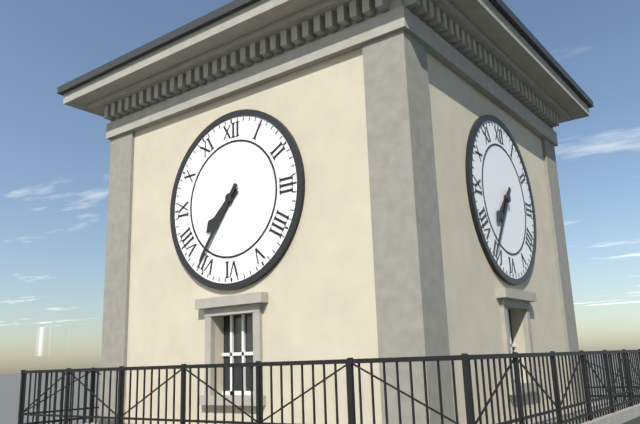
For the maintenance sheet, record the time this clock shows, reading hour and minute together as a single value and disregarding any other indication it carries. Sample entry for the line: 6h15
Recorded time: 7h36
